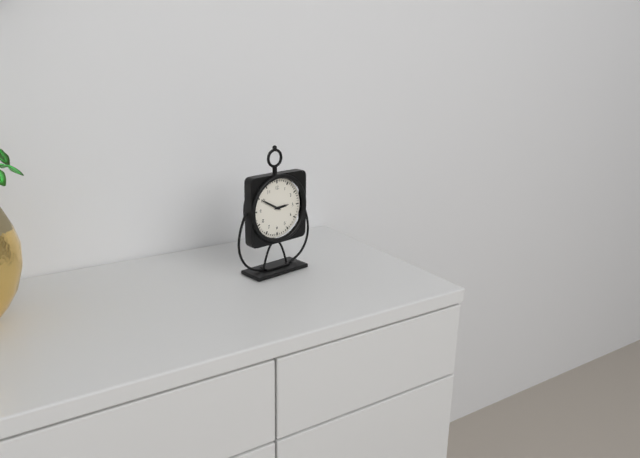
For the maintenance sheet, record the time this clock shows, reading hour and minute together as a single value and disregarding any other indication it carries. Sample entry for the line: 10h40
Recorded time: 2h50
